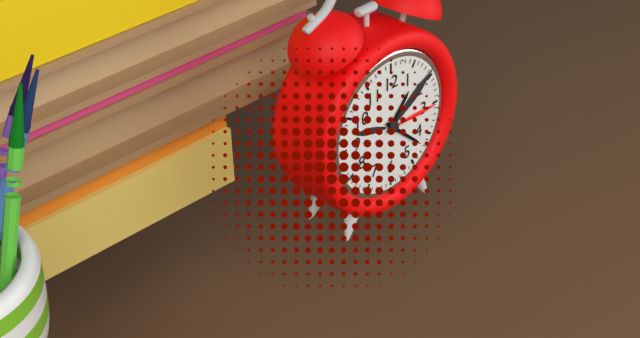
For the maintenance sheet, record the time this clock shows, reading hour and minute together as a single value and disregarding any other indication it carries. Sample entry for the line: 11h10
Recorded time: 1h22
